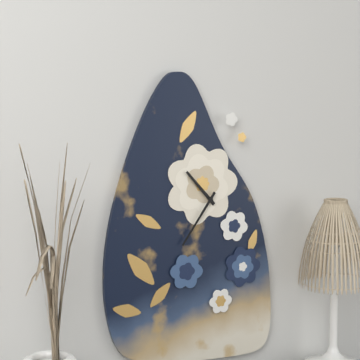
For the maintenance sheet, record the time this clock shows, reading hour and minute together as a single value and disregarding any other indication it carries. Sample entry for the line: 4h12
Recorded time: 10h36
